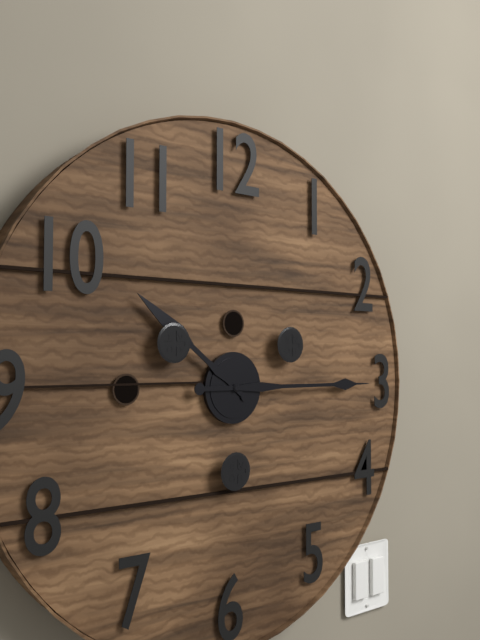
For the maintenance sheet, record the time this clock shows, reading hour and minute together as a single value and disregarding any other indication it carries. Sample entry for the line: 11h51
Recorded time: 10h15
